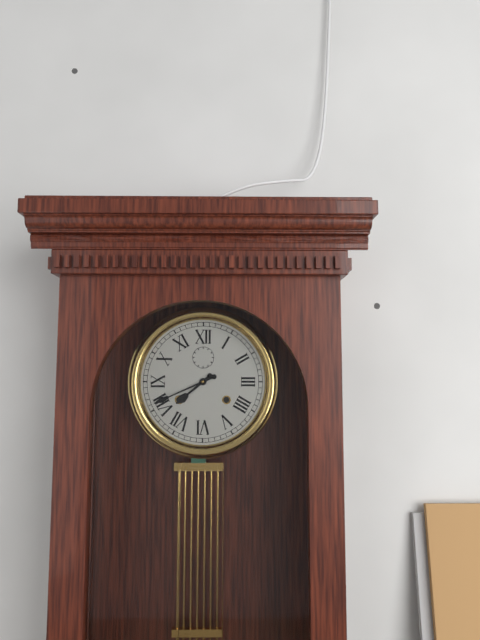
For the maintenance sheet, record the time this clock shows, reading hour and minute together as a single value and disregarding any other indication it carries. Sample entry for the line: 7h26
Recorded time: 7h41
